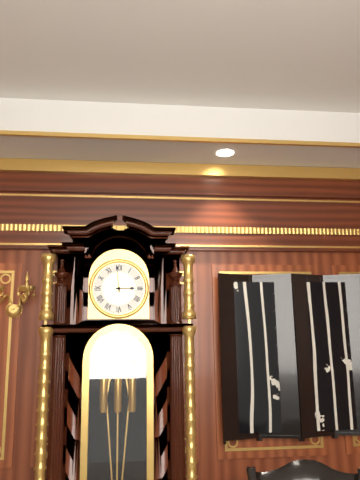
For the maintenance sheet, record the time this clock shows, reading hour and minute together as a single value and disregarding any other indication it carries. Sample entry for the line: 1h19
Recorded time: 2h59
